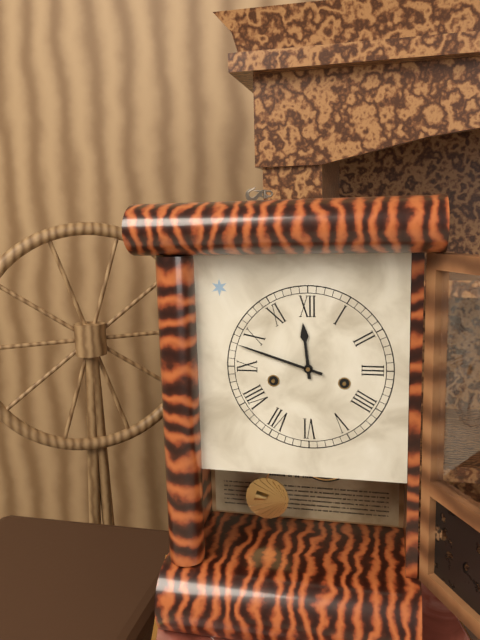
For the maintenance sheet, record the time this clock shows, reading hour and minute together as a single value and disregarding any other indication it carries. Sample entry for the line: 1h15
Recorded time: 11h48
